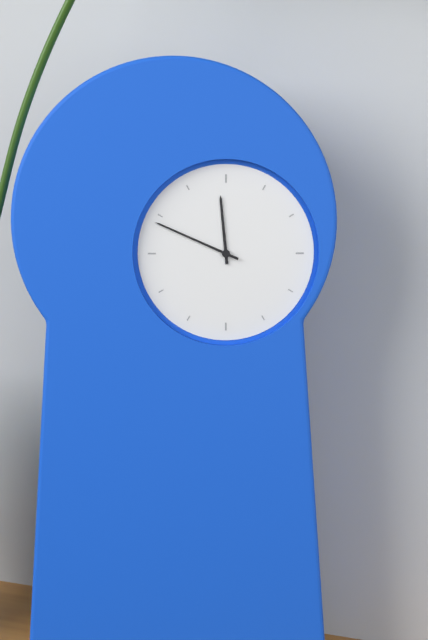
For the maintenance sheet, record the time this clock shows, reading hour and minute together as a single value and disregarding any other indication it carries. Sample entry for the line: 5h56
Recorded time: 11h49
